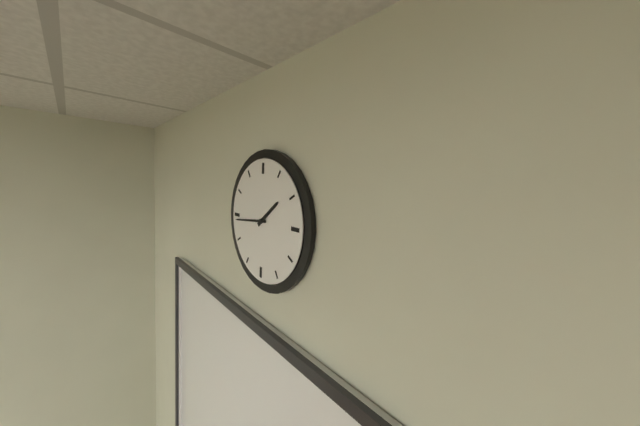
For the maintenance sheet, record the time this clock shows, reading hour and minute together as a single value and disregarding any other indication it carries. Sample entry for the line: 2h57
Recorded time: 1h44
